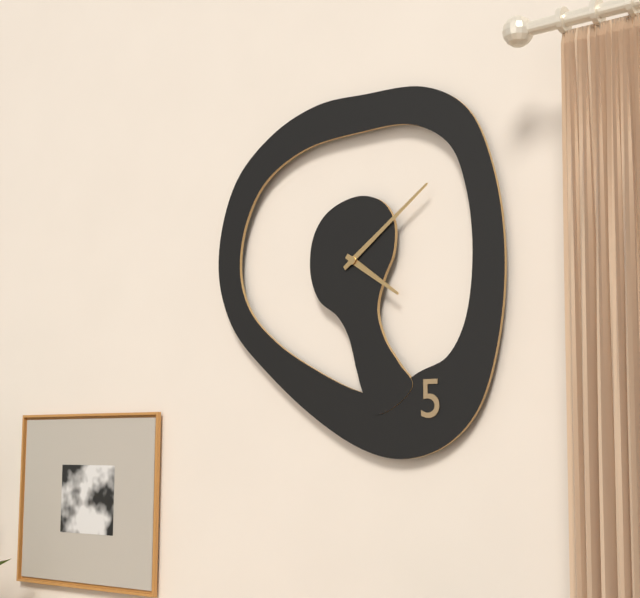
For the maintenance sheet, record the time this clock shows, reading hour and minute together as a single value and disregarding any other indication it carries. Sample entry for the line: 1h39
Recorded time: 4h09
